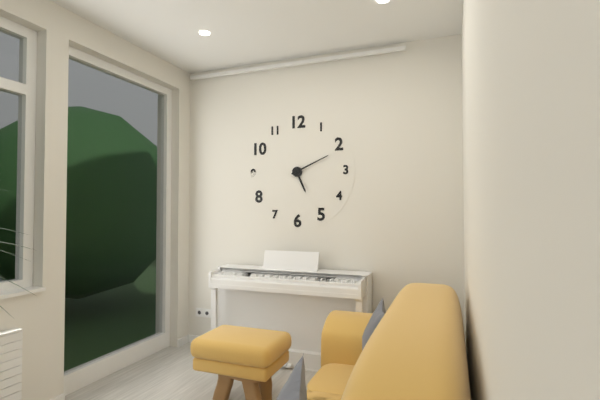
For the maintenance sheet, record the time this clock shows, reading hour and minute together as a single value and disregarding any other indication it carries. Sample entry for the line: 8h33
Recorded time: 5h11
